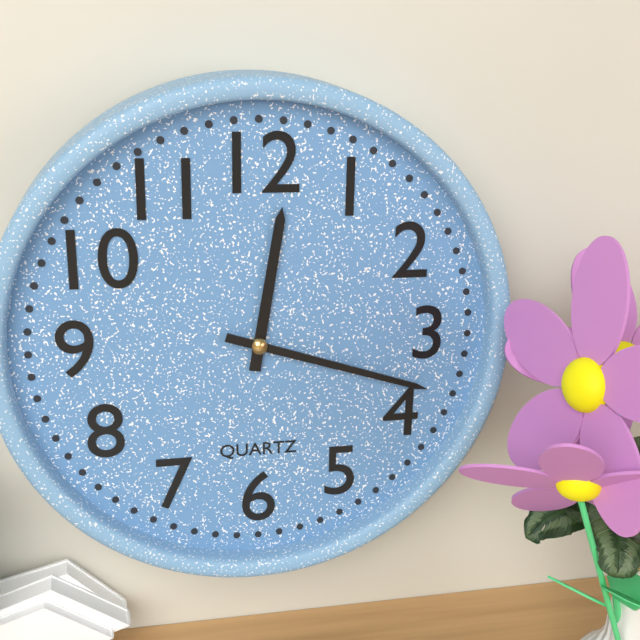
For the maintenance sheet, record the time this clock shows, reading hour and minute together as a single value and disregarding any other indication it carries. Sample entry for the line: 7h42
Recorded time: 12h18
